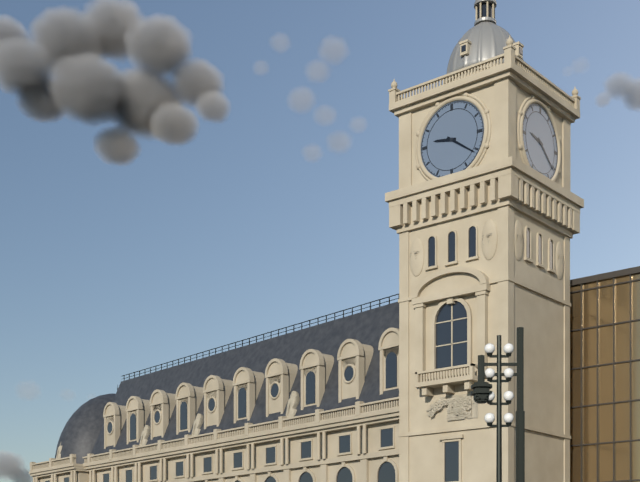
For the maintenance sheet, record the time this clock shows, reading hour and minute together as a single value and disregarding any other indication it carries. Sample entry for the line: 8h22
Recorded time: 9h21
